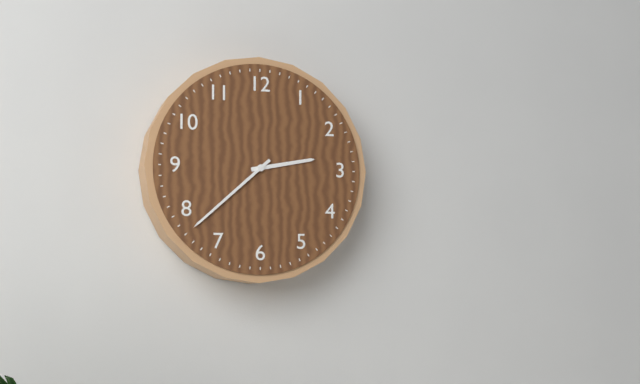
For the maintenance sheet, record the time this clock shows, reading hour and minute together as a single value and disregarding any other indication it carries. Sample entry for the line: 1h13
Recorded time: 2h38
